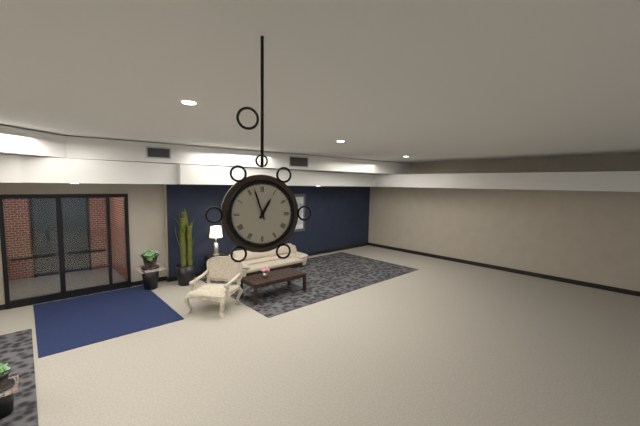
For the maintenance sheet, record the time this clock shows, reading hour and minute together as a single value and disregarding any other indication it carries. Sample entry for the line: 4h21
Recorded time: 12h57
